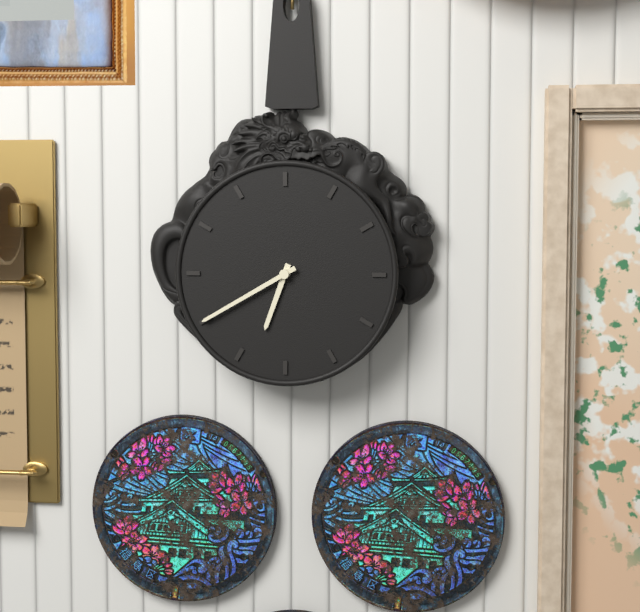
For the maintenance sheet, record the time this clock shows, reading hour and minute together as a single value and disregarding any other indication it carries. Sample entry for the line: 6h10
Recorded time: 6h40
